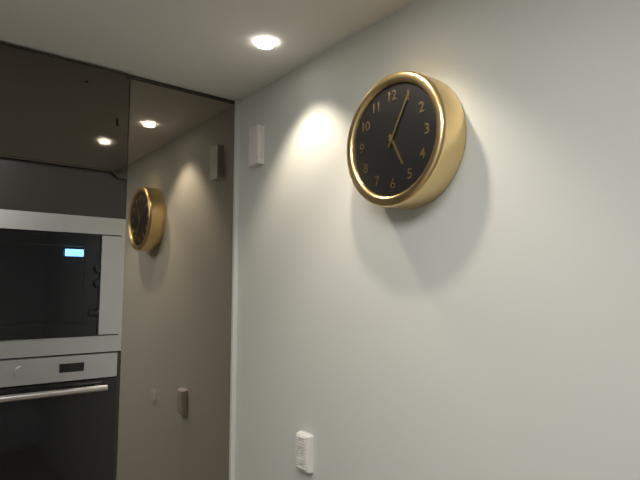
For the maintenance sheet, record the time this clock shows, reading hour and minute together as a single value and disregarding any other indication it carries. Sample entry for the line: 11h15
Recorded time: 5h05
